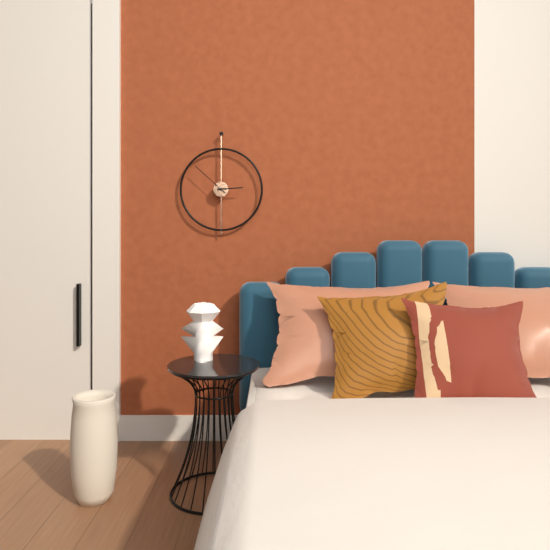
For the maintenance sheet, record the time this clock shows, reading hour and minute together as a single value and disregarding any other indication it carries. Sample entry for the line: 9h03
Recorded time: 2h52
